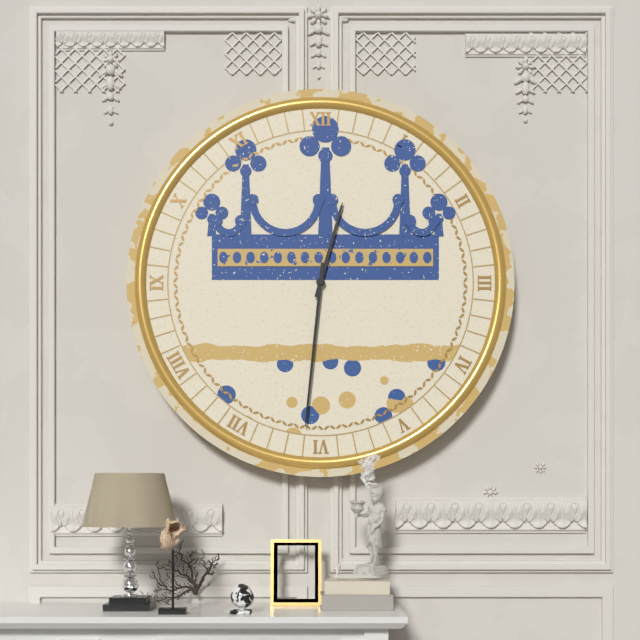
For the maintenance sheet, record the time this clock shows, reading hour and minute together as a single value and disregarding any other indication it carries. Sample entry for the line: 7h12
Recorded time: 12h31
